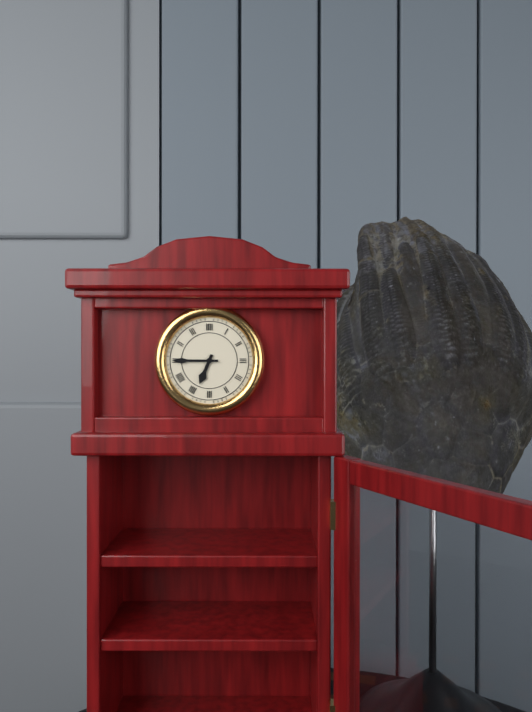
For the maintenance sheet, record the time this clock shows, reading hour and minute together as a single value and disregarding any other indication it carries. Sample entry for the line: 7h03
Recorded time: 6h45
